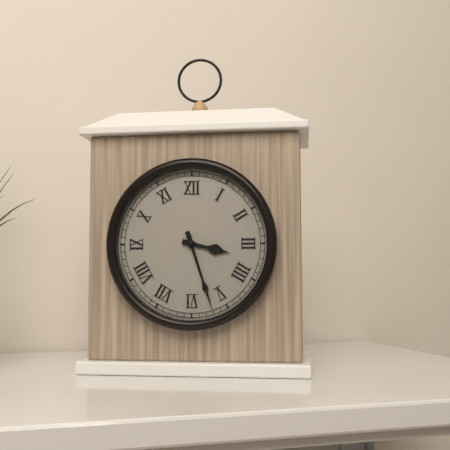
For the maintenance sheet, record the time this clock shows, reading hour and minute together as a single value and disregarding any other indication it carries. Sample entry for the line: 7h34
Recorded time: 3h27
